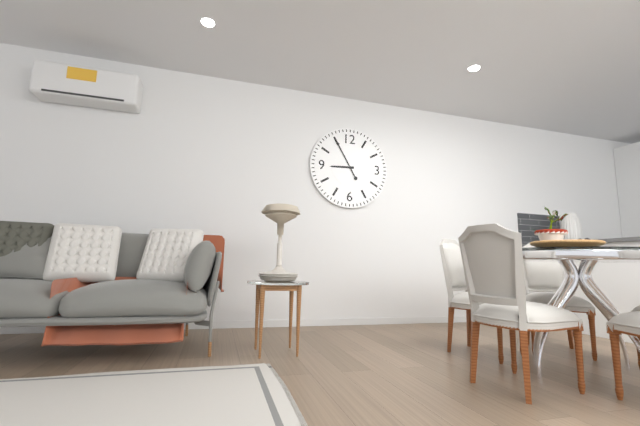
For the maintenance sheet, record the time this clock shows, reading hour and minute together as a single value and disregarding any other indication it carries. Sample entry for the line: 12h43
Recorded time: 8h55
